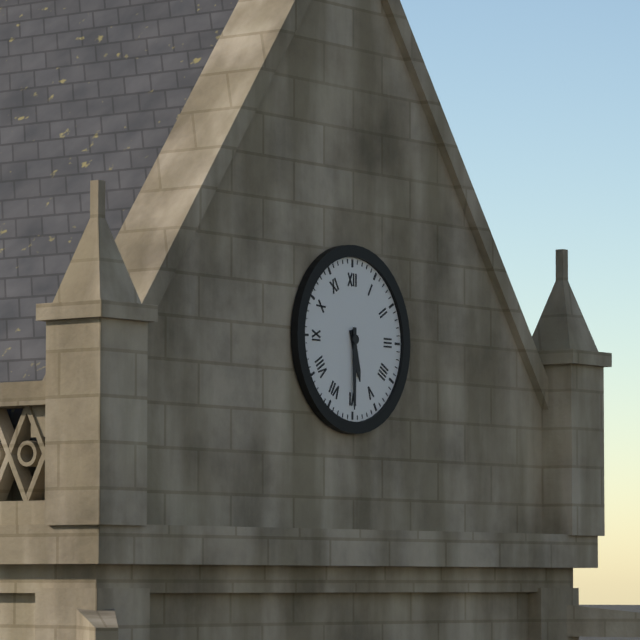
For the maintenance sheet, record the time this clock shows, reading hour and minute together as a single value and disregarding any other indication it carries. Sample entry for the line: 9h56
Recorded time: 5h30
